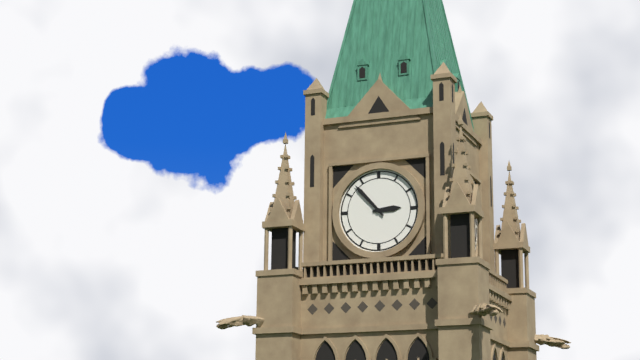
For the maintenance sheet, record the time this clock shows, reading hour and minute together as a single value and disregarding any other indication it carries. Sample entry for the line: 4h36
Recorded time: 2h53
